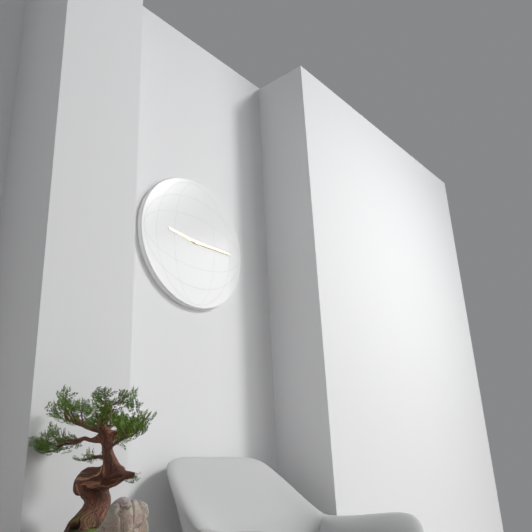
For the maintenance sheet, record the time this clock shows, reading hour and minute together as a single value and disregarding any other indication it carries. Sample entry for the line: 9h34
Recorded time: 9h15
